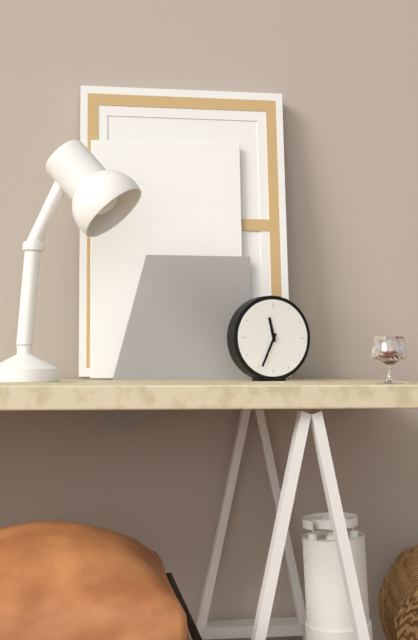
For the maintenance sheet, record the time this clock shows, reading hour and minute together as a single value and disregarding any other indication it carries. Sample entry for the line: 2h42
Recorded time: 11h34
